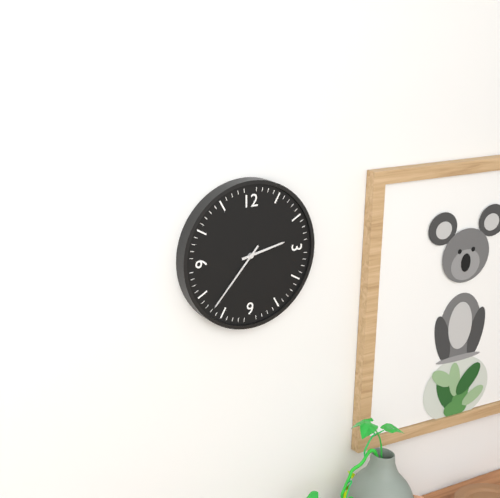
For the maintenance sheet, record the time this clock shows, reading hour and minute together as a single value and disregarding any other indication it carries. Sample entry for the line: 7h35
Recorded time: 2h37
